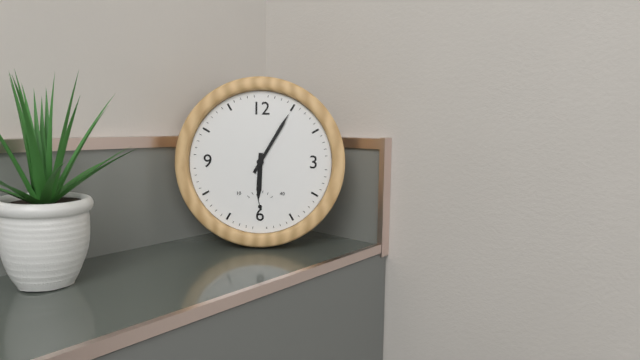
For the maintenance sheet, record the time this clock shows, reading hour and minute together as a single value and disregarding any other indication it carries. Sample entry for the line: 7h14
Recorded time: 6h05
